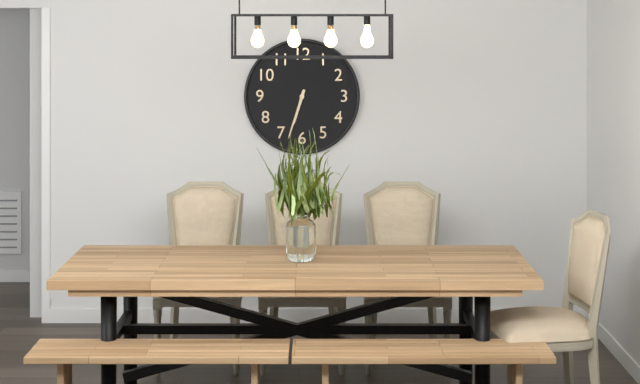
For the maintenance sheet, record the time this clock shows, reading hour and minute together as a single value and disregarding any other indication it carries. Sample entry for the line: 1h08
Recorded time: 6h33
